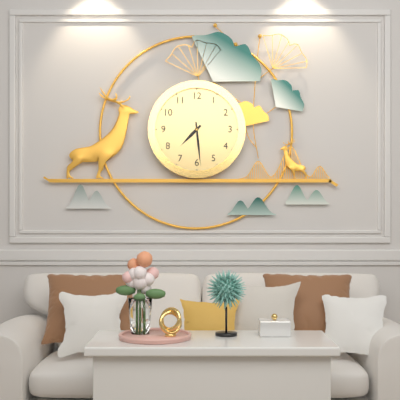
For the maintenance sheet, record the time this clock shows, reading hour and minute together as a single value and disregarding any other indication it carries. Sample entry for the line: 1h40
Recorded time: 7h29
